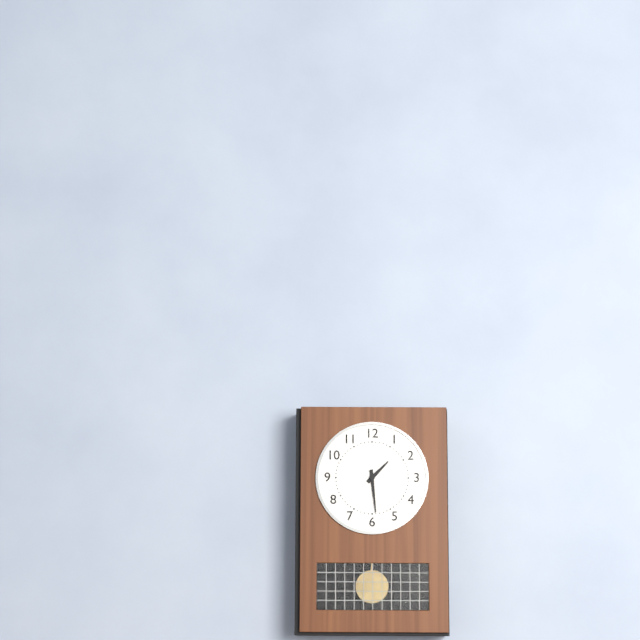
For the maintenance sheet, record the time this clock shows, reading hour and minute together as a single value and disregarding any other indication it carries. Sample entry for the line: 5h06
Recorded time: 1h29
